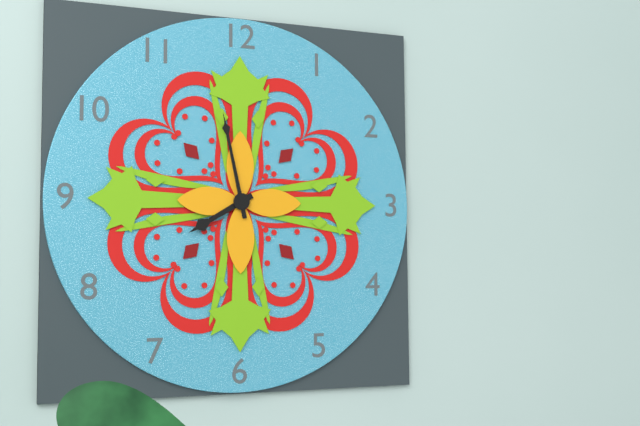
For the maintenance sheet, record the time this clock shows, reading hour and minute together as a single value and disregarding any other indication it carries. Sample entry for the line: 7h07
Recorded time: 7h58
